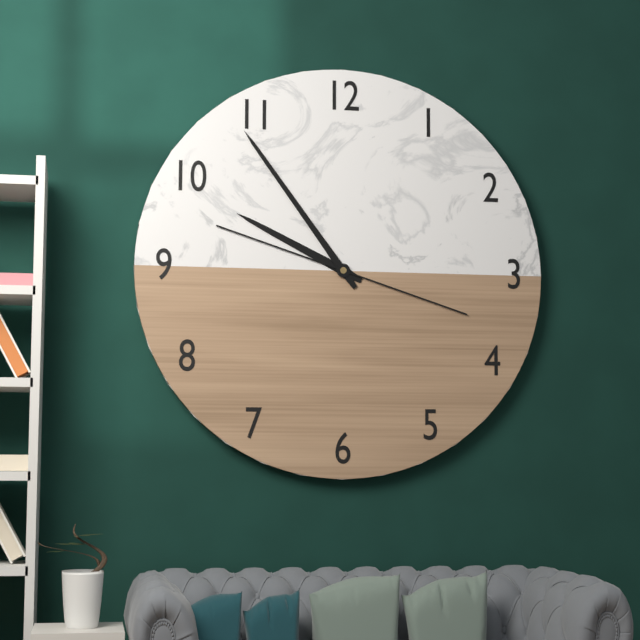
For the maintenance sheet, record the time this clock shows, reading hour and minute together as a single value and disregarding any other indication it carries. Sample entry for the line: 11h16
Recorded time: 9h54
